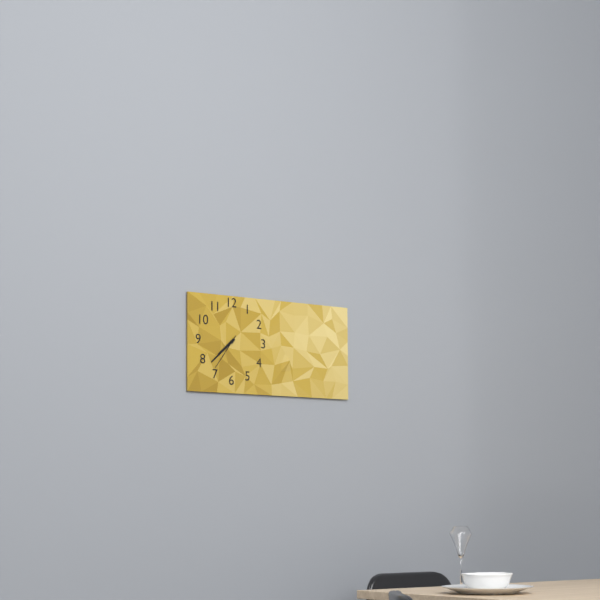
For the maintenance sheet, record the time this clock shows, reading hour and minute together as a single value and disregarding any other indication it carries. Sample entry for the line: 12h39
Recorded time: 7h38
